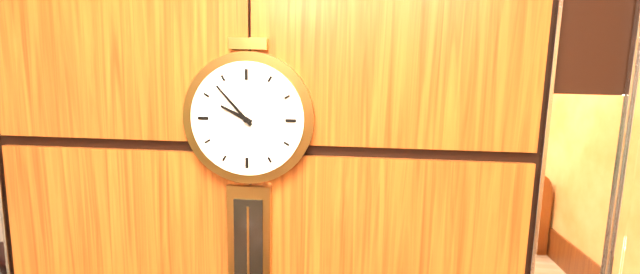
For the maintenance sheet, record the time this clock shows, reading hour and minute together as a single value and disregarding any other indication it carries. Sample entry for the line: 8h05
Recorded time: 9h53
